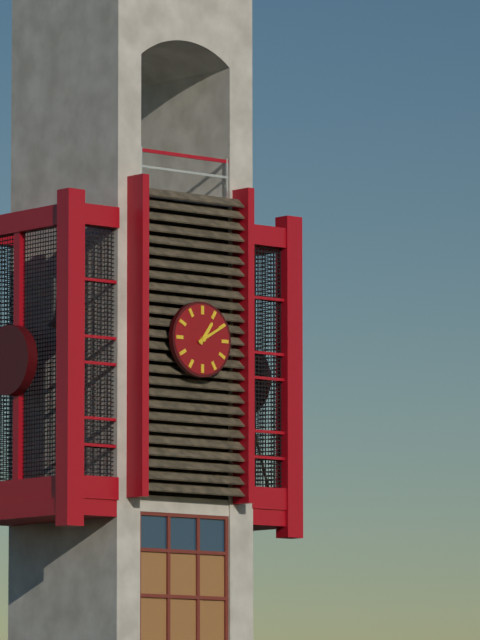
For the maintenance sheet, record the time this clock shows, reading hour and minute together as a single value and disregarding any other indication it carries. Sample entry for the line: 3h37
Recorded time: 1h10
